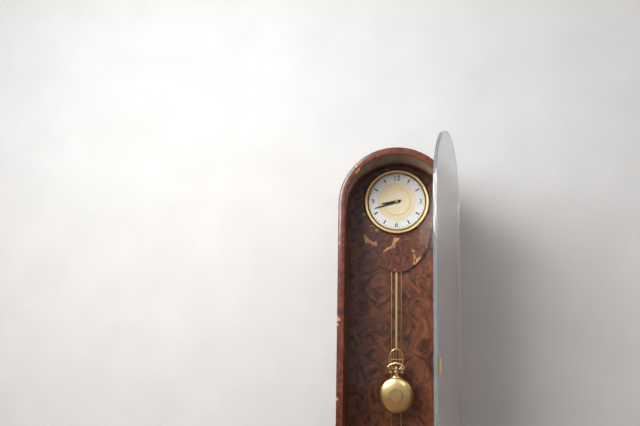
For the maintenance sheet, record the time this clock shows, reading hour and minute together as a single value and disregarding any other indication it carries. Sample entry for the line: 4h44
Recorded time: 8h42
